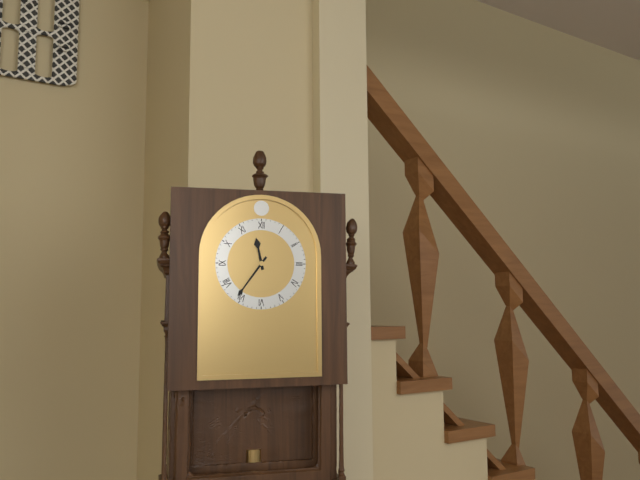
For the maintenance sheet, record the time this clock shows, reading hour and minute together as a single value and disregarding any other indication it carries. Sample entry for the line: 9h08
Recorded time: 11h36
